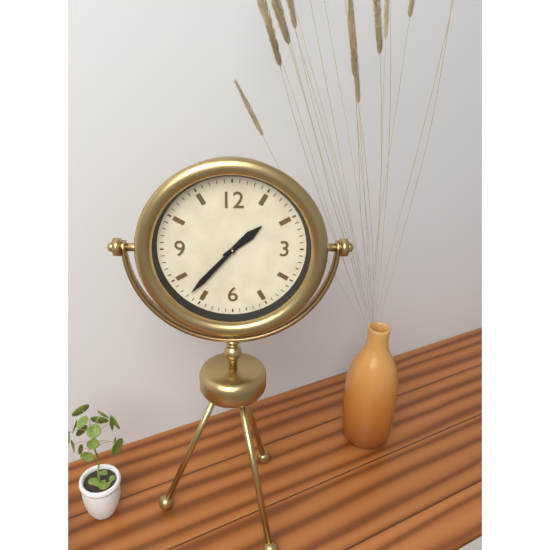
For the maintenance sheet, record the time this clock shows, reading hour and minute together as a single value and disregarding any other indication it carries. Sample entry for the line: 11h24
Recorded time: 1h37
